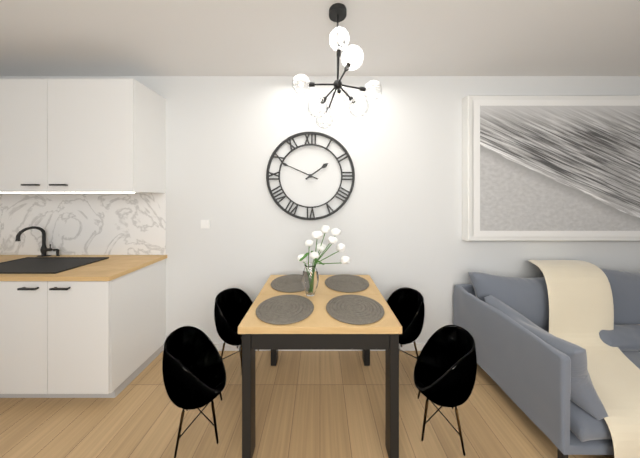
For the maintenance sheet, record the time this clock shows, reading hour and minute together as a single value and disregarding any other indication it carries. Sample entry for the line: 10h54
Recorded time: 1h49
